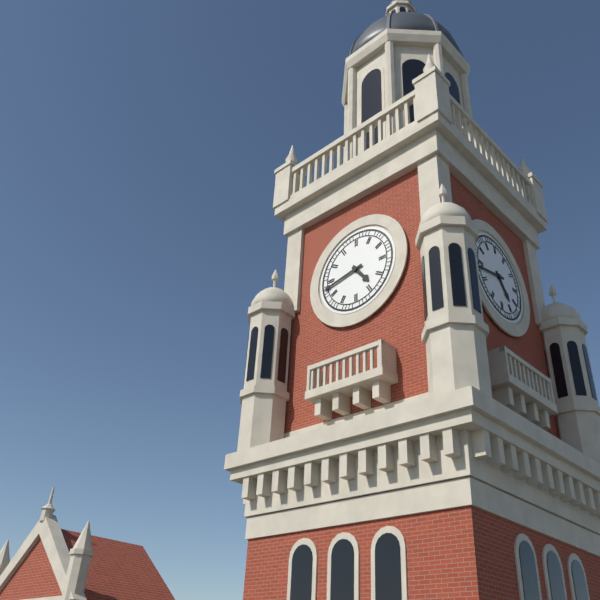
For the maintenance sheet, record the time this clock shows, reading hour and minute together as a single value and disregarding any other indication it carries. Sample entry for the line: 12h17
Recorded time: 4h43
